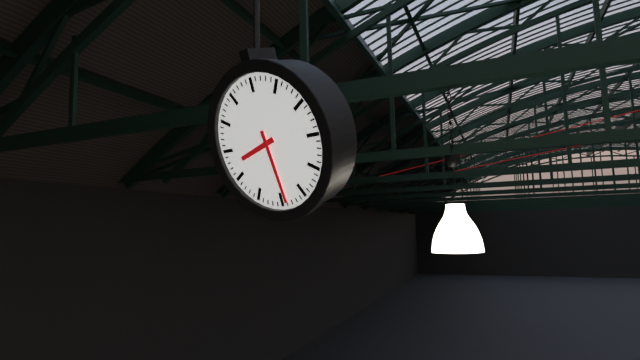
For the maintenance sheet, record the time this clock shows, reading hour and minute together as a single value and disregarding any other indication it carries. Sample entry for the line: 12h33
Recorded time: 8h29
